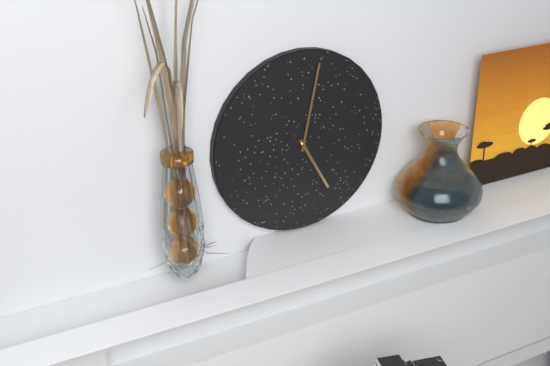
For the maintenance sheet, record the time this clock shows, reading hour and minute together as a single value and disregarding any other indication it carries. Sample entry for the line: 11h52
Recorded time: 5h02
